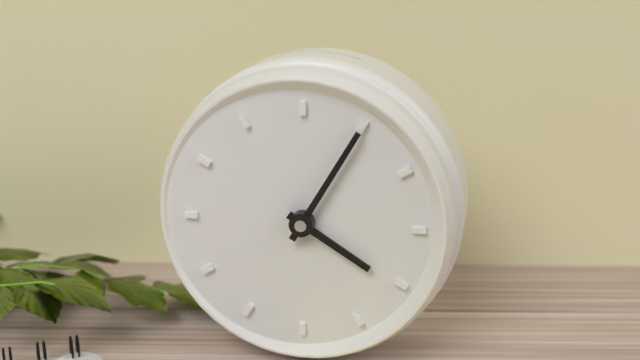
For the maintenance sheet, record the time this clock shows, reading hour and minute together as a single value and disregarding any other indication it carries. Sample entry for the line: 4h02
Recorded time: 4h05
